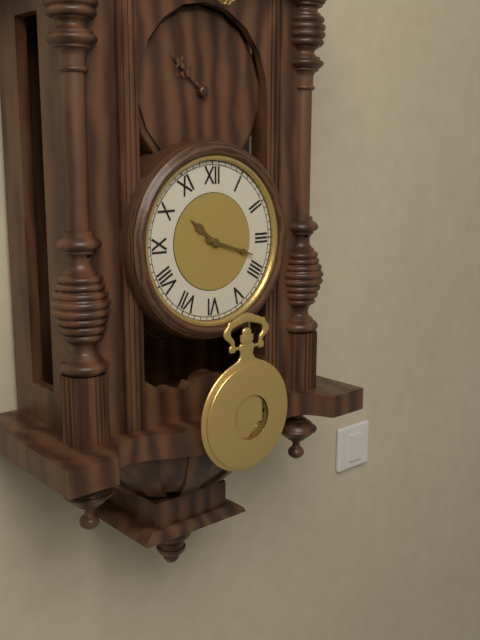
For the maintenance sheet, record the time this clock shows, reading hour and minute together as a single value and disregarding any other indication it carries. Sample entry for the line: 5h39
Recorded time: 10h18
